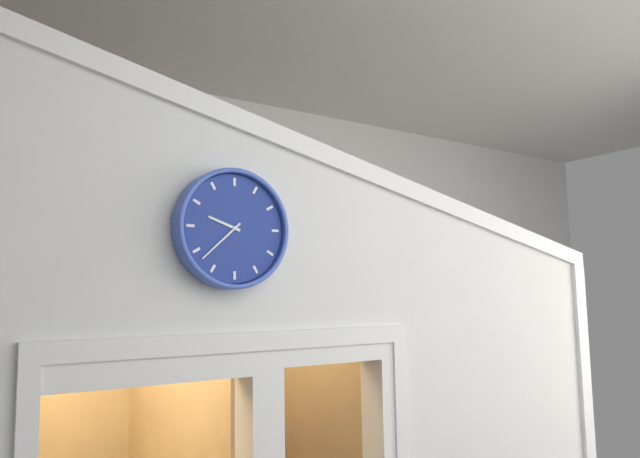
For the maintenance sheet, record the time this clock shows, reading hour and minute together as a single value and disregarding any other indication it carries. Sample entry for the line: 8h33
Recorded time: 9h38
